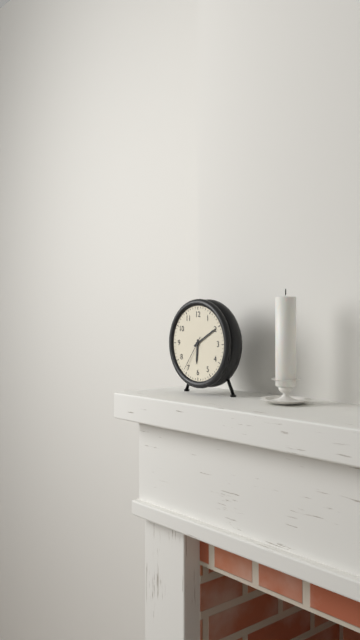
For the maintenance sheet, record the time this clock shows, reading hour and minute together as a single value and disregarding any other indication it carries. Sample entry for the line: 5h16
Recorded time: 6h10
